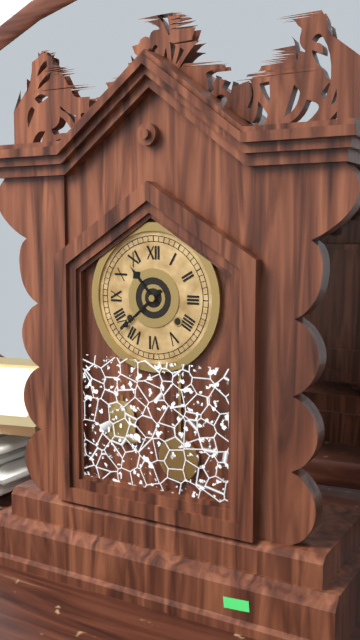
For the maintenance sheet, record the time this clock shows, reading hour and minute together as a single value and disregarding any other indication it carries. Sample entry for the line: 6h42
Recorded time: 10h38
